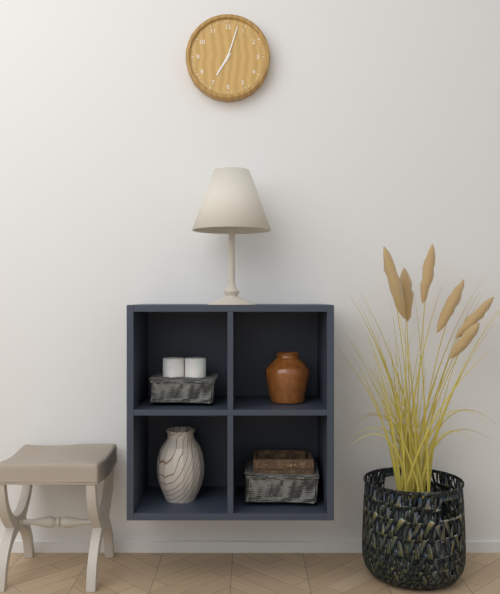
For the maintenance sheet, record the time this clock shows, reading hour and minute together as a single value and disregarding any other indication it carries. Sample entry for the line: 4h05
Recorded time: 7h03
